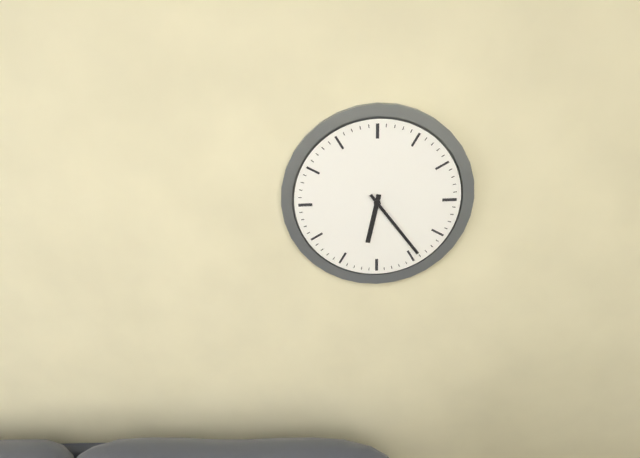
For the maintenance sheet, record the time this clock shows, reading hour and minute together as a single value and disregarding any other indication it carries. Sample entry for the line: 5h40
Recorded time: 6h24
